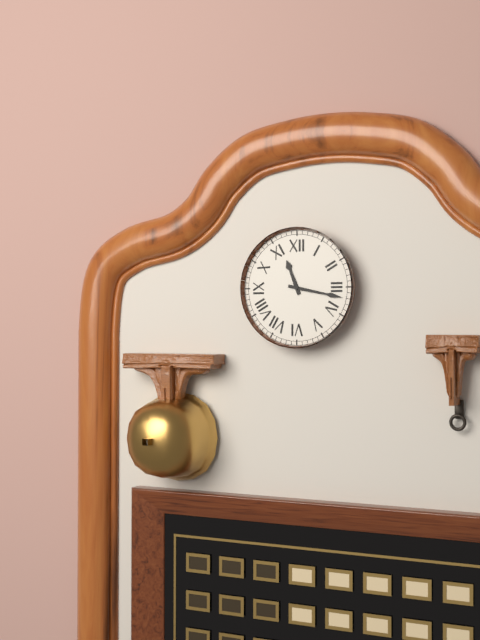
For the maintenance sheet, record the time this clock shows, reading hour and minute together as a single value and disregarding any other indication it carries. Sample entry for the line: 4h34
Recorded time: 11h17
